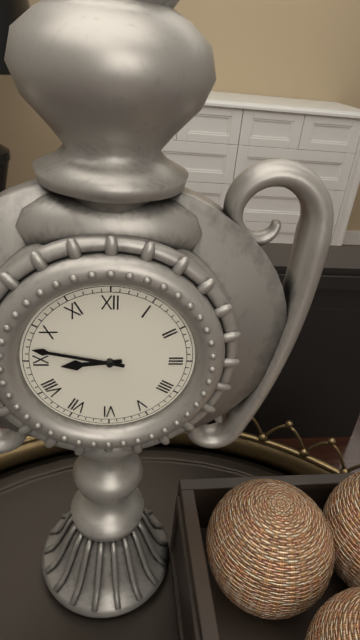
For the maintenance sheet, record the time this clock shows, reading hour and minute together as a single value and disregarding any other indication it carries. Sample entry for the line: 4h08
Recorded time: 8h47
